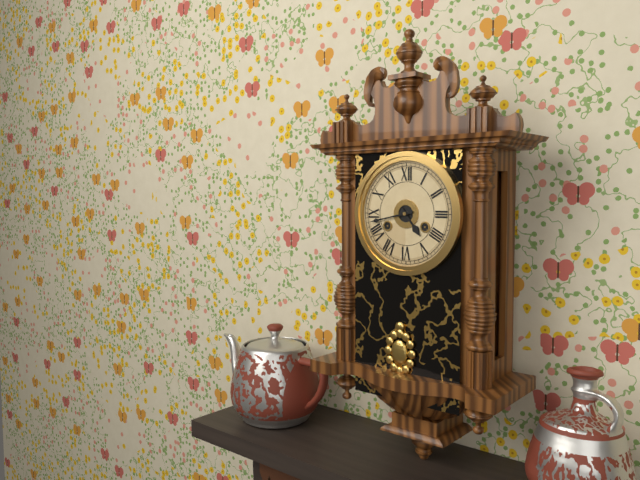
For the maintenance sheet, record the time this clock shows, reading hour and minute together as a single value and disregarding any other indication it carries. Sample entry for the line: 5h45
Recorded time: 4h43
